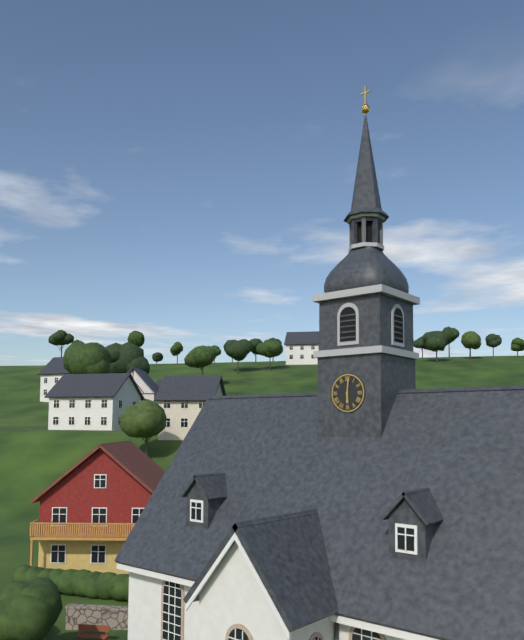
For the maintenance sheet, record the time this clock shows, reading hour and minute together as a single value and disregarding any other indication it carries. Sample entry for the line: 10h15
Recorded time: 6h01
